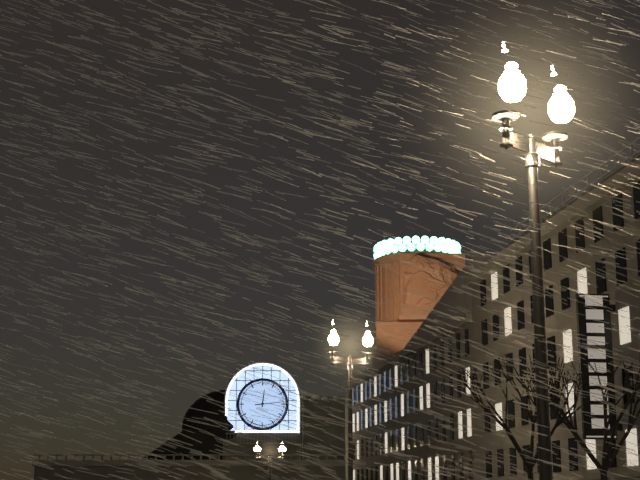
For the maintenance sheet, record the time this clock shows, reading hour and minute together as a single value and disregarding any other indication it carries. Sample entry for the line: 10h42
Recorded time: 12h14
